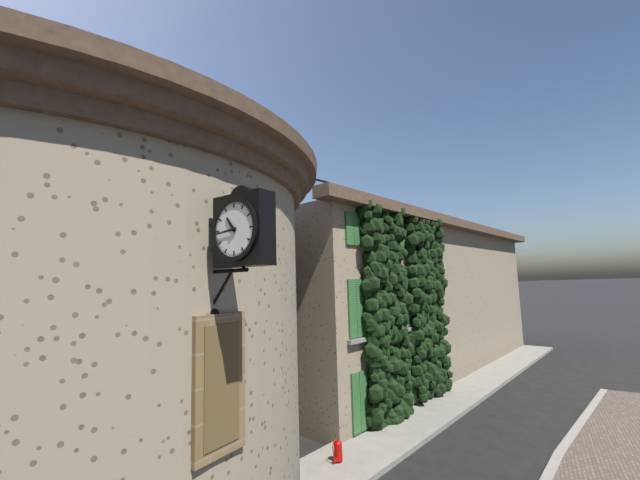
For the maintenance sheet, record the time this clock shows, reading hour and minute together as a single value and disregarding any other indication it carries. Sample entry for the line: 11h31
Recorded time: 10h44
